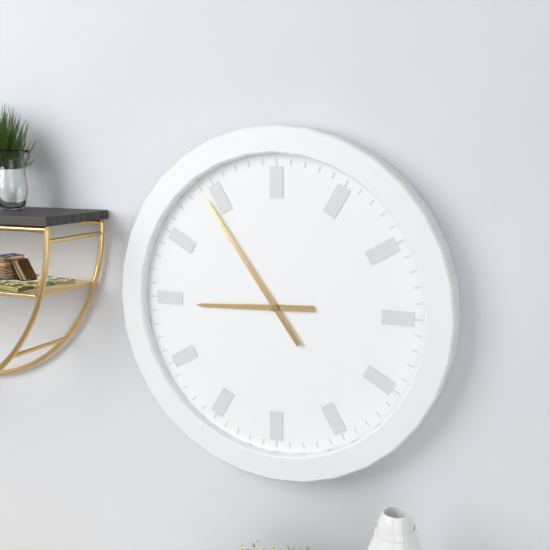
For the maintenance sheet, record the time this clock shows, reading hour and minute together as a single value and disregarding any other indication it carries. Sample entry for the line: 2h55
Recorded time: 8h54
